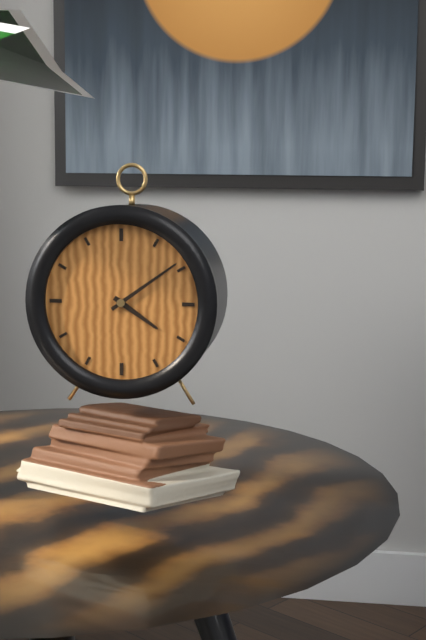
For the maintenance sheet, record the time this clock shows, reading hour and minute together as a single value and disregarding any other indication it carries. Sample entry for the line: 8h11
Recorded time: 4h09
